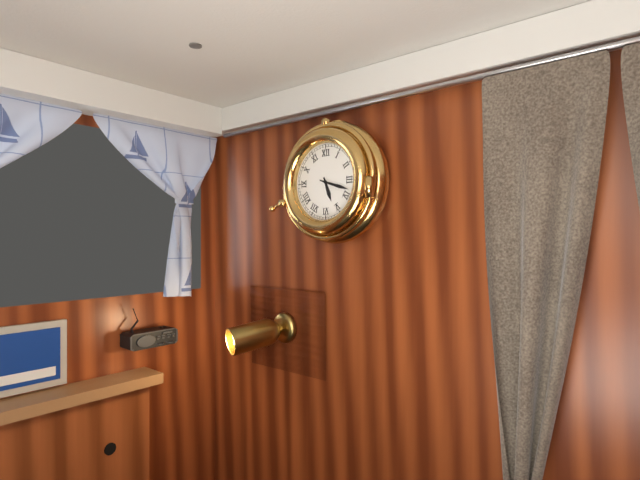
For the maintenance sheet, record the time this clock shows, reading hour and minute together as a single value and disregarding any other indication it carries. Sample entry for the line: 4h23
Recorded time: 5h18
